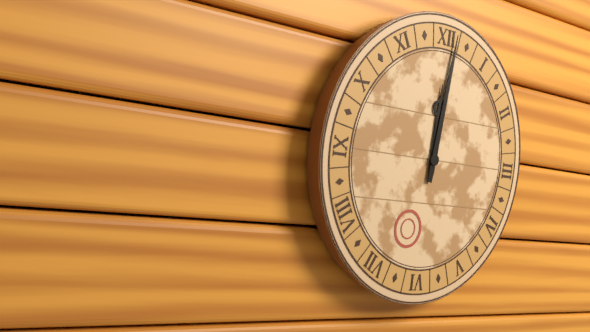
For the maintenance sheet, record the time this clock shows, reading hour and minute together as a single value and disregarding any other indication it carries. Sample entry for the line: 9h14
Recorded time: 12h01
